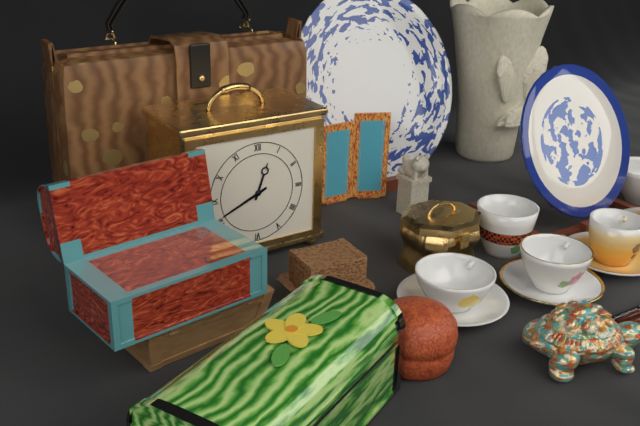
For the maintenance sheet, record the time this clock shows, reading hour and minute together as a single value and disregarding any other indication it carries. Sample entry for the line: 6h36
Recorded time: 12h41
